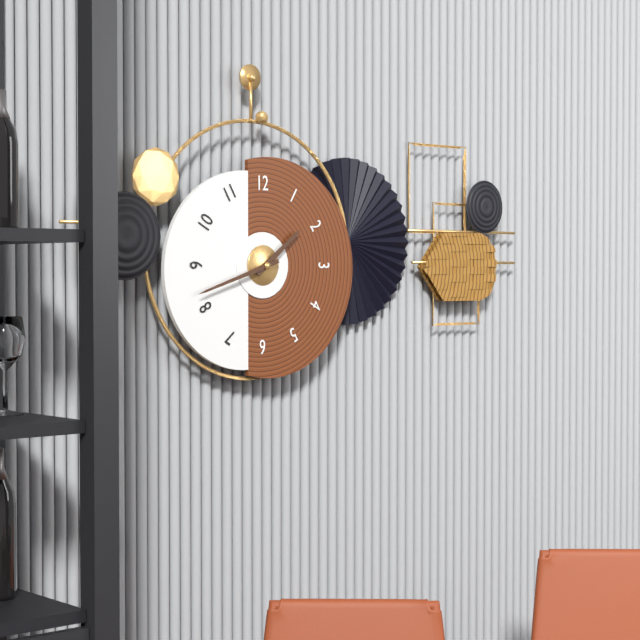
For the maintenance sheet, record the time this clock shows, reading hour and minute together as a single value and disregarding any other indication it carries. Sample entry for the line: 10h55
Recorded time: 1h42
